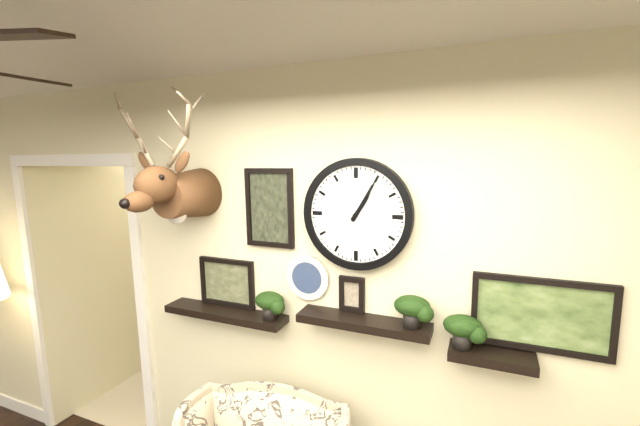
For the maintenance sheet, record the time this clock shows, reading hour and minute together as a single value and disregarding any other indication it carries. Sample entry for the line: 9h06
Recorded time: 1h05
